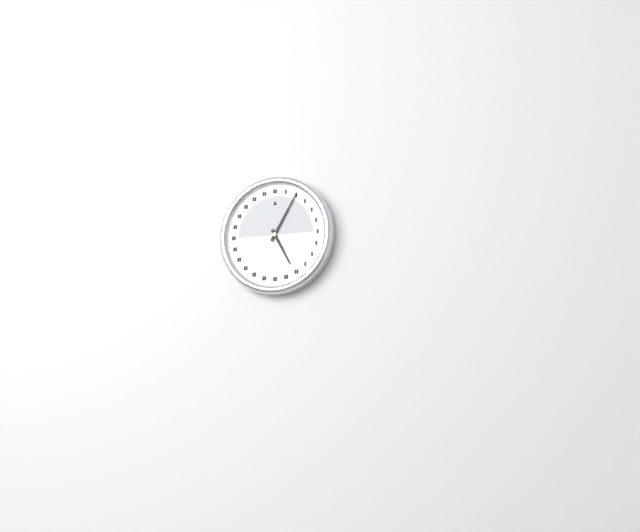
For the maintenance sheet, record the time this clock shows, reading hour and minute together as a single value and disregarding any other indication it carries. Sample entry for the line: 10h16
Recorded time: 5h05
